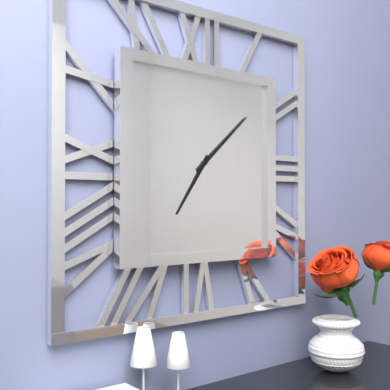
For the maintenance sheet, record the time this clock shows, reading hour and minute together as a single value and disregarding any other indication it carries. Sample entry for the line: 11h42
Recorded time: 7h08
